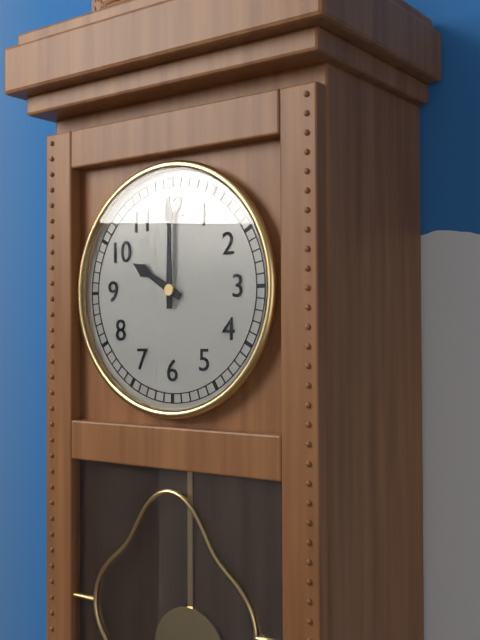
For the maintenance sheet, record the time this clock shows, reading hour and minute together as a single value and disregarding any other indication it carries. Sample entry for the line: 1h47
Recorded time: 10h00
